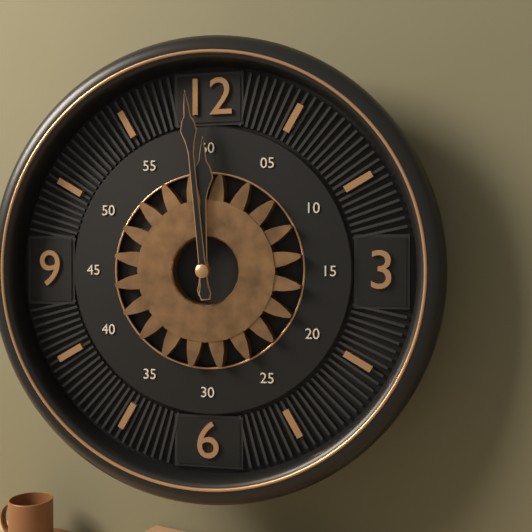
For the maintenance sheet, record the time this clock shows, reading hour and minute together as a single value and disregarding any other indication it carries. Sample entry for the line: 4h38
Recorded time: 11h59
